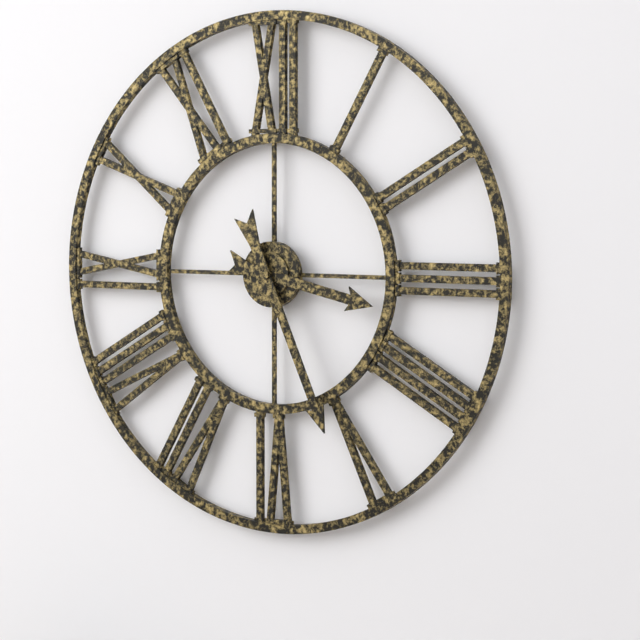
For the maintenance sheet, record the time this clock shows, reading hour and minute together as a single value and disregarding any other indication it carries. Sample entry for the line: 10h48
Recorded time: 3h26
